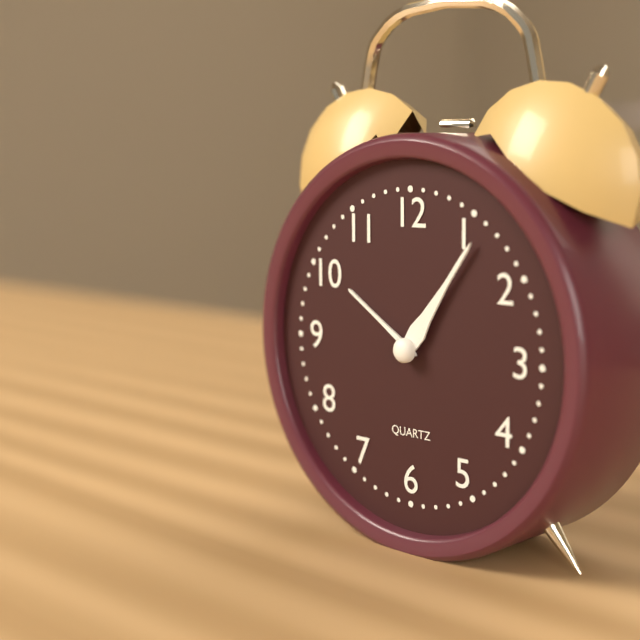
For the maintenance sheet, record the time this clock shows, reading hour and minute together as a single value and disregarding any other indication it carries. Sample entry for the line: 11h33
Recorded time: 10h06
